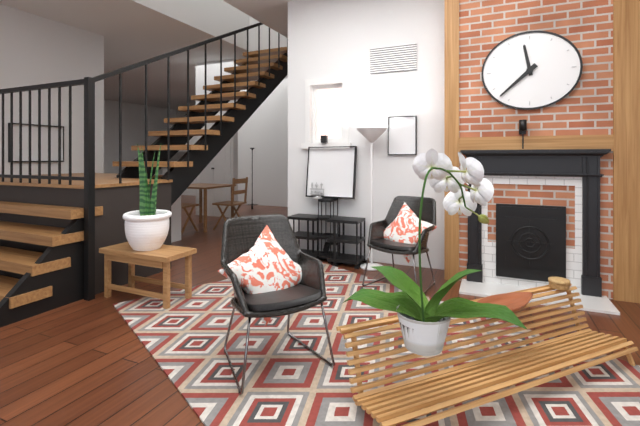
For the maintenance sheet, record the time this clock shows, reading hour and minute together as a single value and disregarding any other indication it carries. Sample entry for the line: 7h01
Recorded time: 11h38
